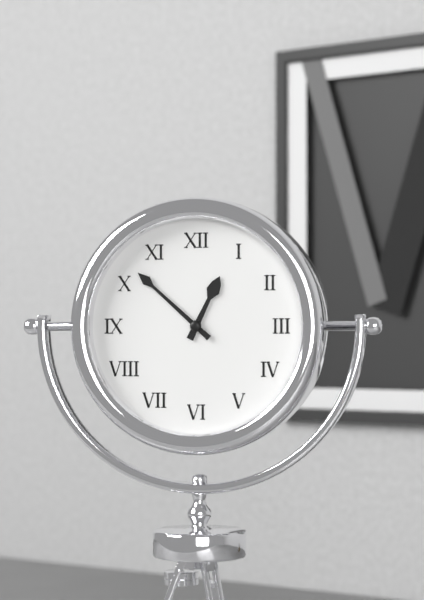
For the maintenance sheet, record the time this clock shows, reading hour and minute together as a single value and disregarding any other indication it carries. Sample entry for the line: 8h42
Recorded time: 12h52
